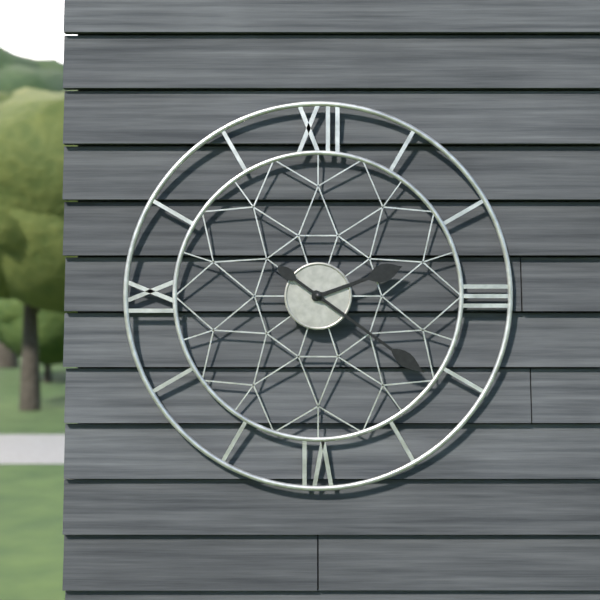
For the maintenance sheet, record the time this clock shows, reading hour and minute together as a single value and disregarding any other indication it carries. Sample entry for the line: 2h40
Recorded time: 2h21
